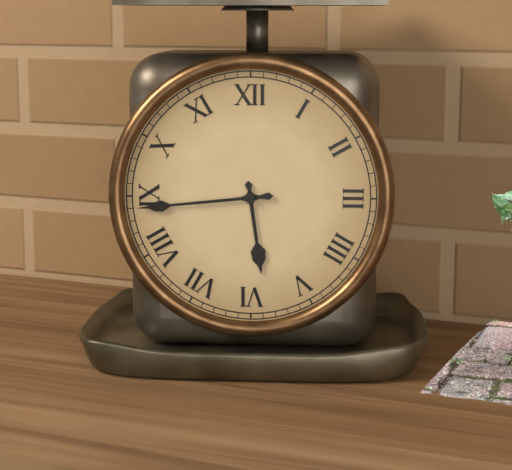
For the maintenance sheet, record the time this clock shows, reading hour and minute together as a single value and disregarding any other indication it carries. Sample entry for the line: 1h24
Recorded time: 5h44
